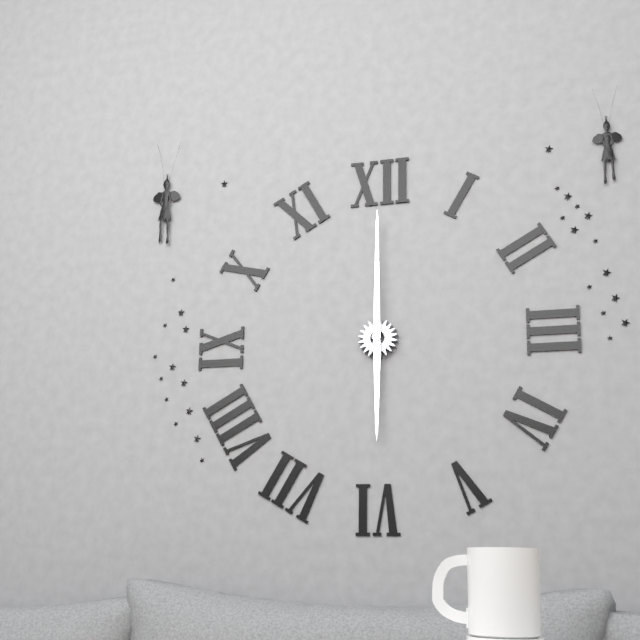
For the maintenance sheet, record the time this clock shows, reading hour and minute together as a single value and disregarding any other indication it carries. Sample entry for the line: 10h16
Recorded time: 6h00
